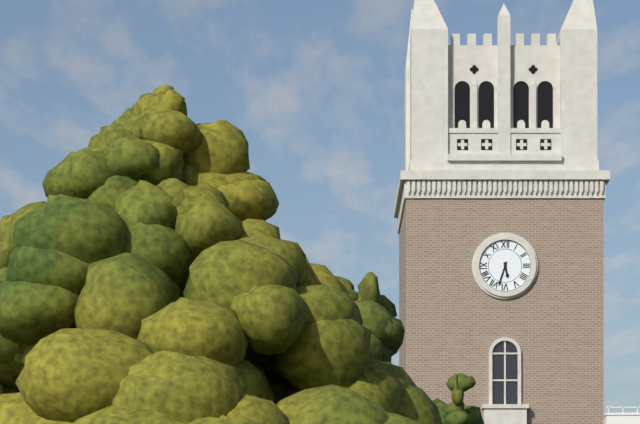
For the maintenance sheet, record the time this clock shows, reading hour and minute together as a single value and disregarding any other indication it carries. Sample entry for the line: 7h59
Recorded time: 5h33
